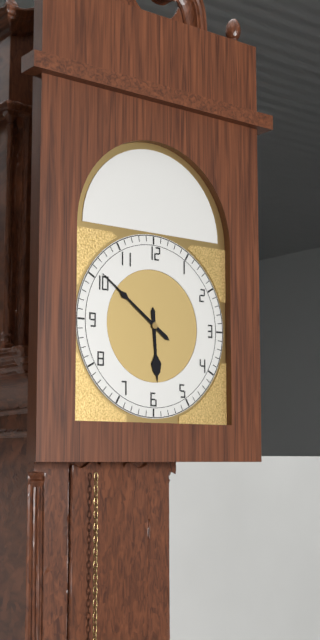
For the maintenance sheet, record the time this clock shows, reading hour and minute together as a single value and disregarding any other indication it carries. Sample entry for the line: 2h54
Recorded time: 5h51
